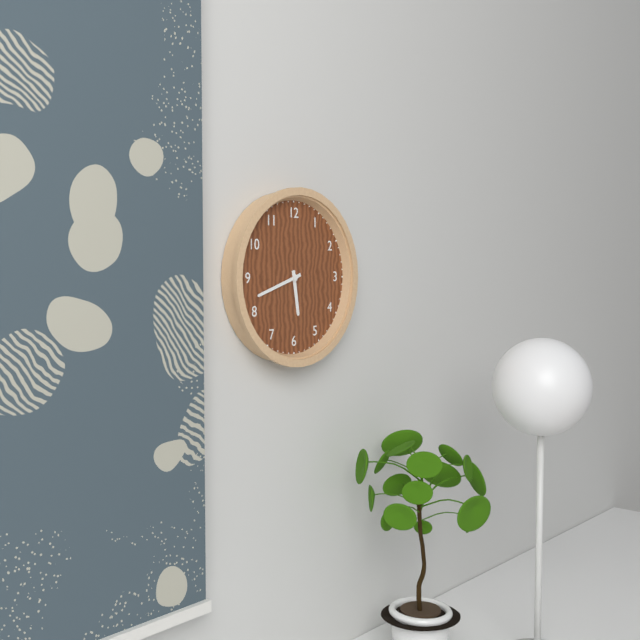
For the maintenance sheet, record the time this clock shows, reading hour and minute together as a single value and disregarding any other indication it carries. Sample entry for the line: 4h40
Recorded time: 5h42
